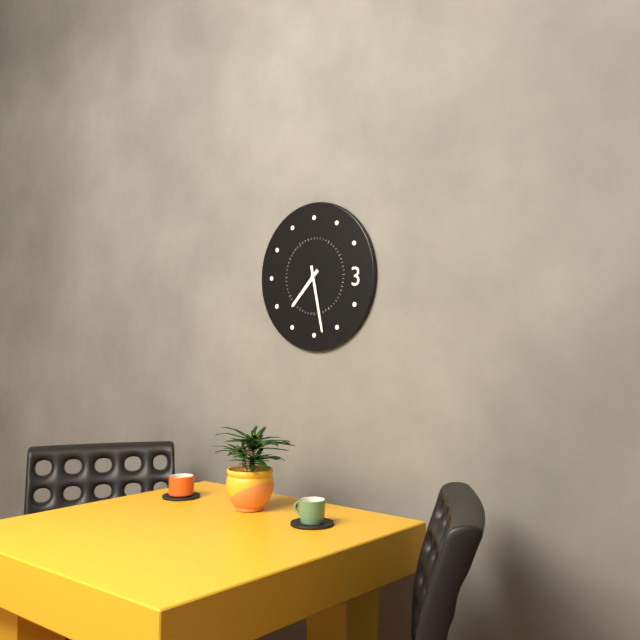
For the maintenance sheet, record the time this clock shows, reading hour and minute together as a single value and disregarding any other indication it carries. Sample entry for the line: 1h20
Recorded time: 7h28
